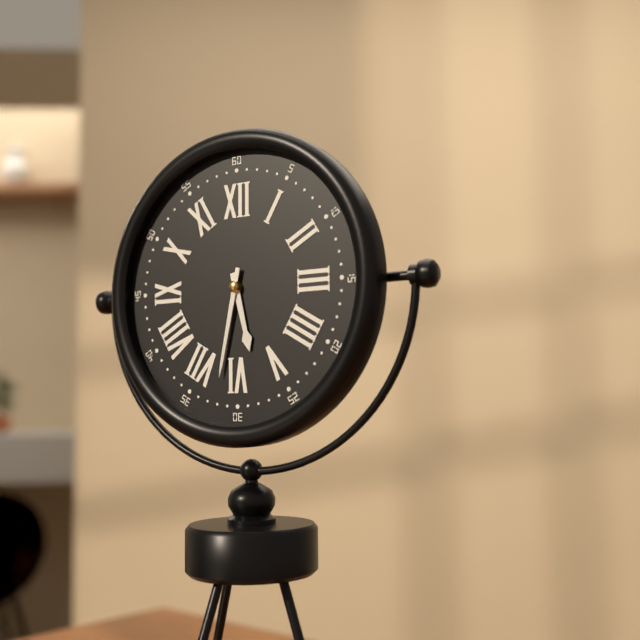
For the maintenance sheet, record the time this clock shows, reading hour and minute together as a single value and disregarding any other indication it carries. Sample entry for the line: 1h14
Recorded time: 5h32
